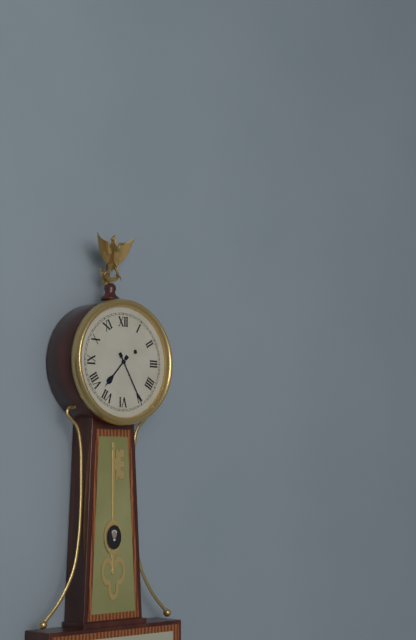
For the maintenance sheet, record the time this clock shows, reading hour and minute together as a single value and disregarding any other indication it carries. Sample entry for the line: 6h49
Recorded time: 7h25
